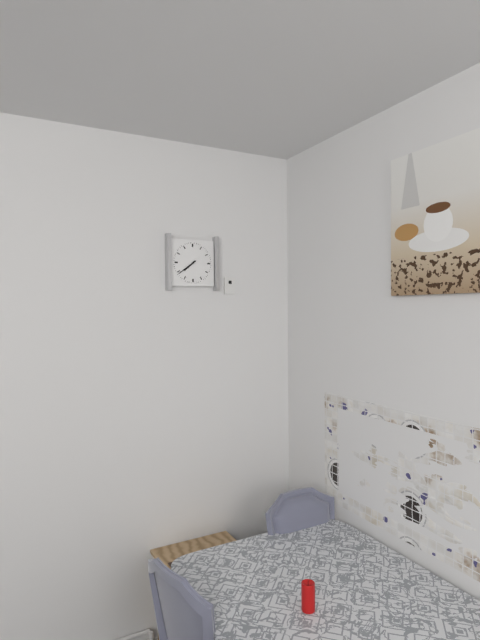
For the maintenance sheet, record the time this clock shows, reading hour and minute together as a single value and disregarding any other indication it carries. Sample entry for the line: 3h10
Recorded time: 7h39
